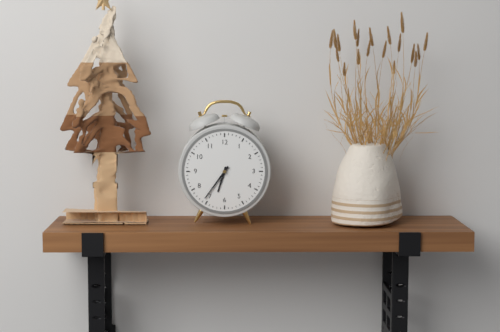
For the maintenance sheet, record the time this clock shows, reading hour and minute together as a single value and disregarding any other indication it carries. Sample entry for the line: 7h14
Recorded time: 6h36
